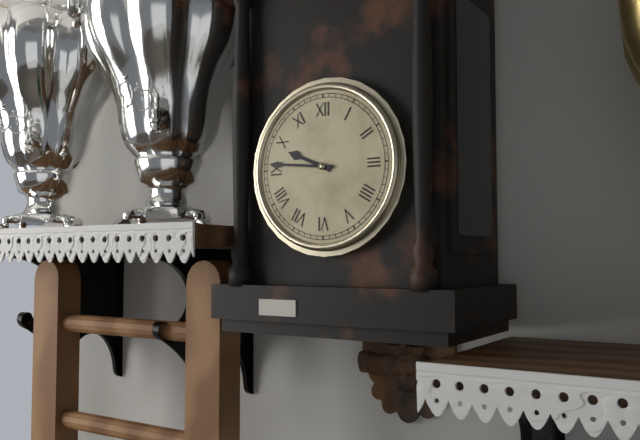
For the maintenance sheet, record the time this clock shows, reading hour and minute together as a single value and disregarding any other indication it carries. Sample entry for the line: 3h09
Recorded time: 9h46
